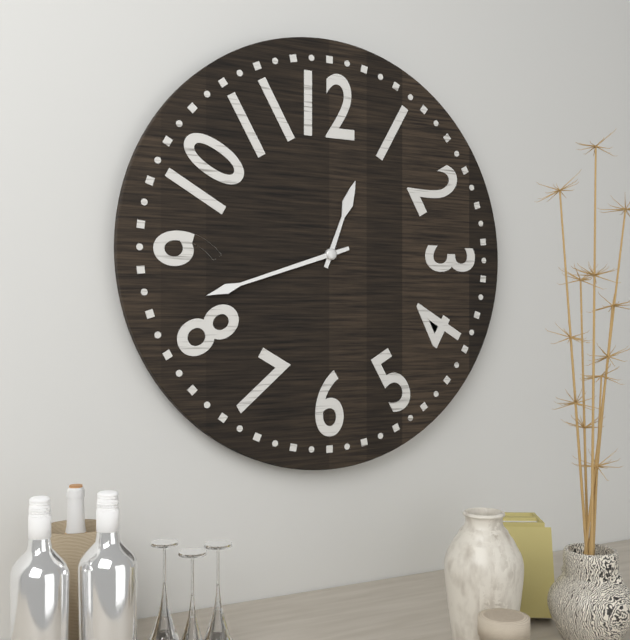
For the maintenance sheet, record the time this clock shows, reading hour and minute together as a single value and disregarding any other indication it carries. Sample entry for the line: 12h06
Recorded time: 12h42
